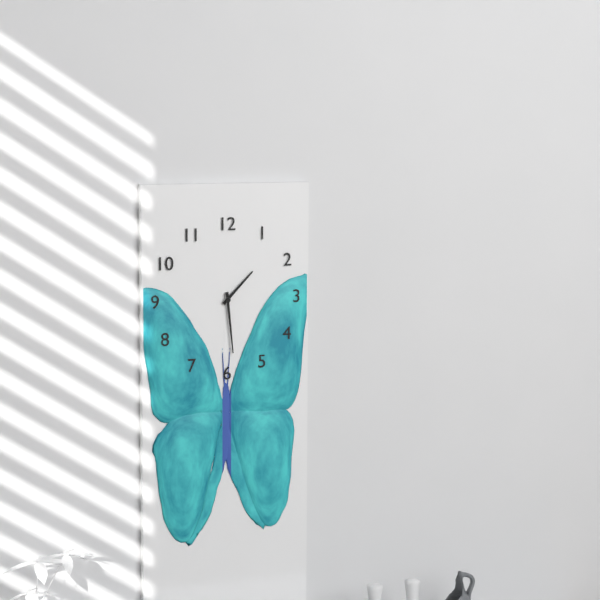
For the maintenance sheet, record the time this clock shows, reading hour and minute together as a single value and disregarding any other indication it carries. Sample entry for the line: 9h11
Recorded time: 1h29
